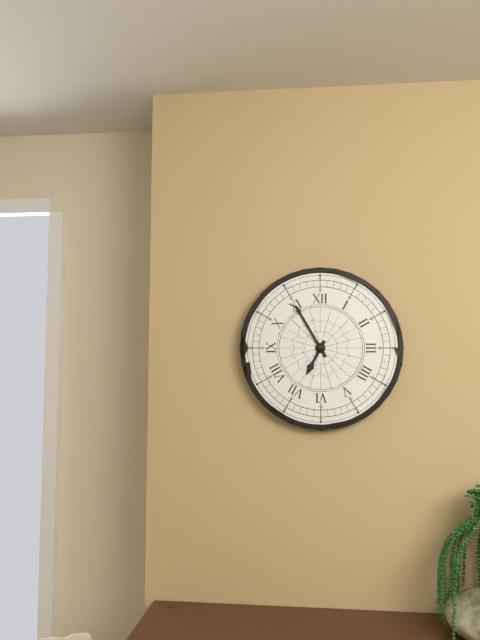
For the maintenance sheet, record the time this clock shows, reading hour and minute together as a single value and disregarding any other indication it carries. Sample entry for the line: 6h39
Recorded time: 6h55
